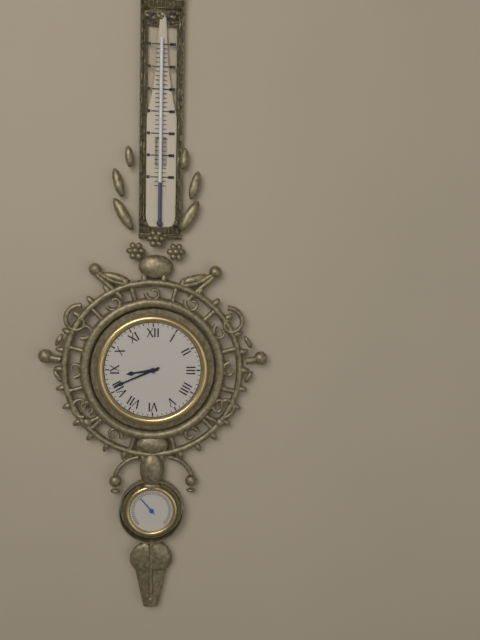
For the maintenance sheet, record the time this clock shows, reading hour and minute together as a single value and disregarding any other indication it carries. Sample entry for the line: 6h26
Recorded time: 8h41
